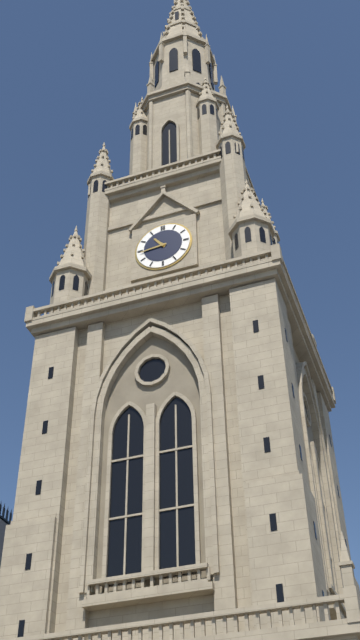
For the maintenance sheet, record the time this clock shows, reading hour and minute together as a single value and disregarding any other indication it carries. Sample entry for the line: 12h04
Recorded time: 10h44
